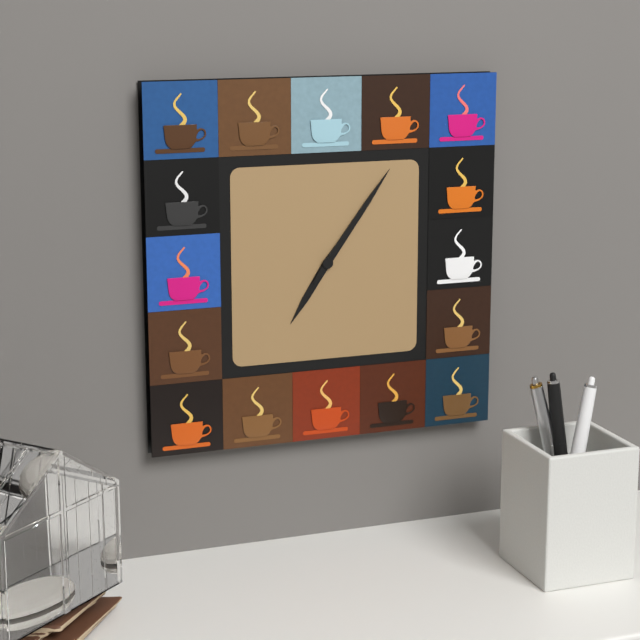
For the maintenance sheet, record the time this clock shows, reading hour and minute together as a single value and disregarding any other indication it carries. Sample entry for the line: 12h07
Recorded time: 7h06
